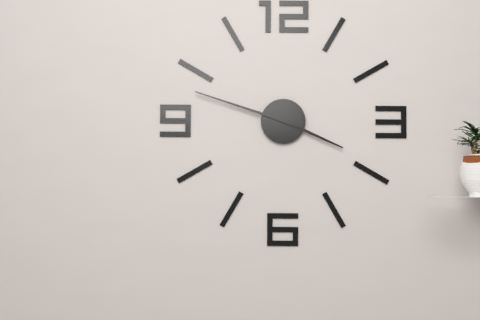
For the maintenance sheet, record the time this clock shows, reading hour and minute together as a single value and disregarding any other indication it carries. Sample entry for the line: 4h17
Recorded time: 3h48
